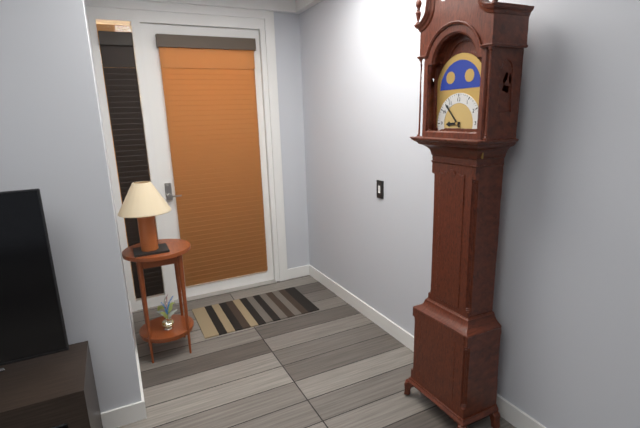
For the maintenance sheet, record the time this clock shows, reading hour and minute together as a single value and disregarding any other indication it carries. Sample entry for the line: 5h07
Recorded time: 8h53
